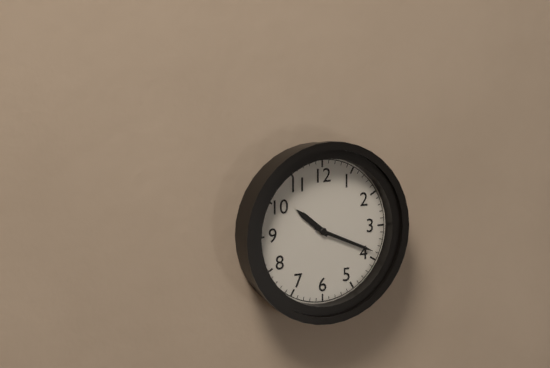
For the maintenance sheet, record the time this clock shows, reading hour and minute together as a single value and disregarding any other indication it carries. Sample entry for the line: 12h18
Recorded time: 10h19
